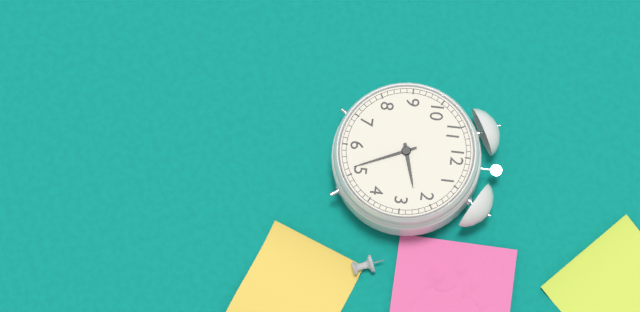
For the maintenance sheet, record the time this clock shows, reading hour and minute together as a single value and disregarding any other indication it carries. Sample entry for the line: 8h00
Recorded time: 2h26
